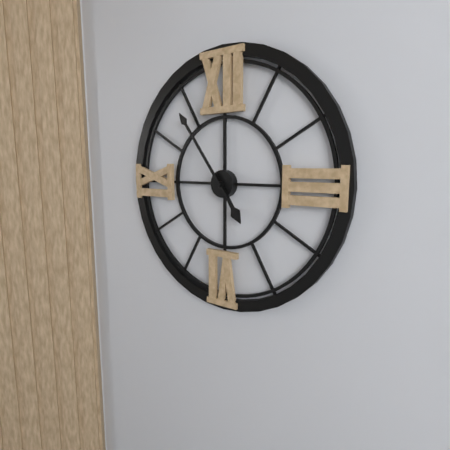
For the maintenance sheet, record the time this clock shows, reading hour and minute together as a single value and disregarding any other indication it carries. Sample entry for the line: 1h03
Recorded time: 4h54
